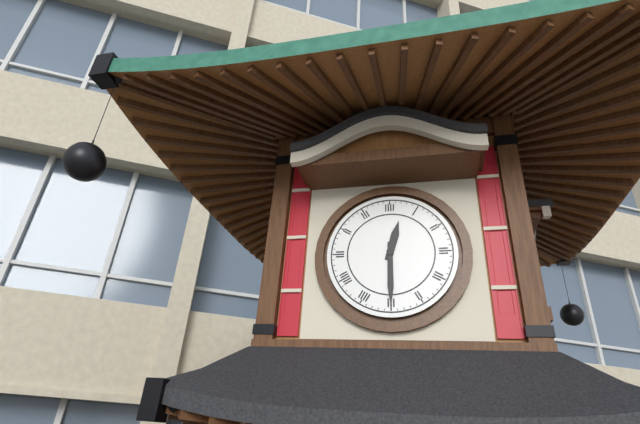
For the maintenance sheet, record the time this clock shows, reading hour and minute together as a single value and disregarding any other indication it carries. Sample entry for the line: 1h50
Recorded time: 12h30
